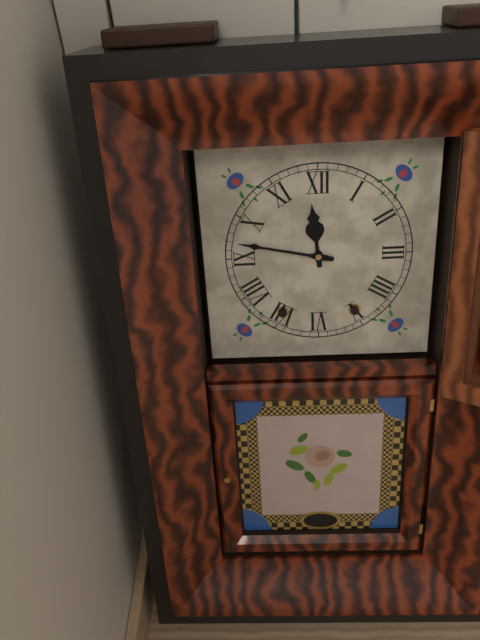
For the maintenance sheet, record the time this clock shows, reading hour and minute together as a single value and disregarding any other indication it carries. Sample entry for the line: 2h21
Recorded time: 11h47
